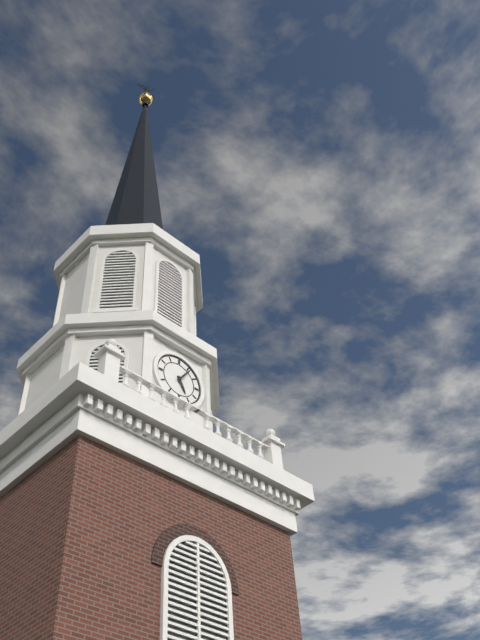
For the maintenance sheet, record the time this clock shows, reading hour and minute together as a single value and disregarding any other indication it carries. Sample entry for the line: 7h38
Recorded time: 5h06
